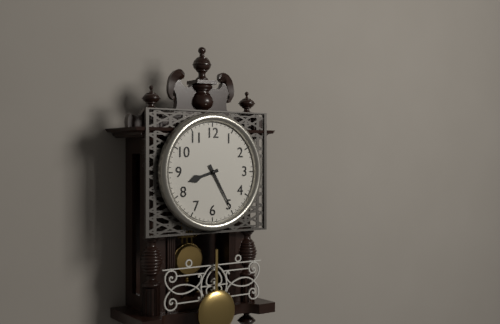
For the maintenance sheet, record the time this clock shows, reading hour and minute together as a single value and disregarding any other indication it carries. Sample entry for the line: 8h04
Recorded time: 8h25
